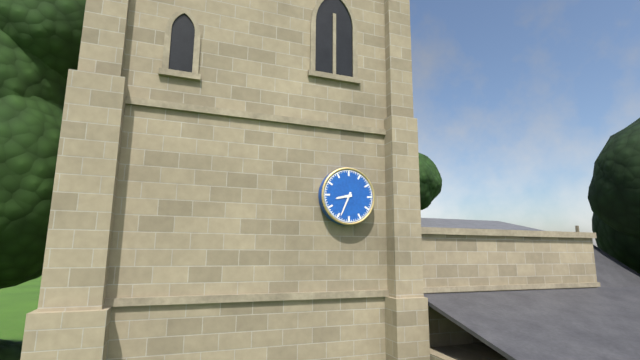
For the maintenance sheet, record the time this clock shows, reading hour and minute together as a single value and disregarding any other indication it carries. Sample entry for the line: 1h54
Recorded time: 8h34
